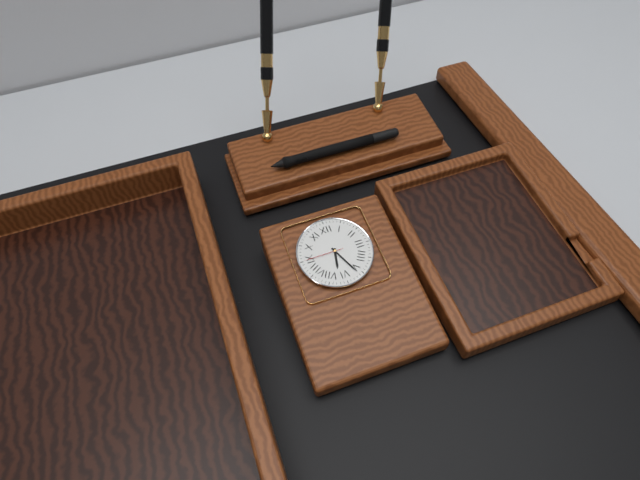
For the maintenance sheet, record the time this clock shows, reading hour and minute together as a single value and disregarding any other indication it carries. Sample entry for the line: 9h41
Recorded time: 6h26
